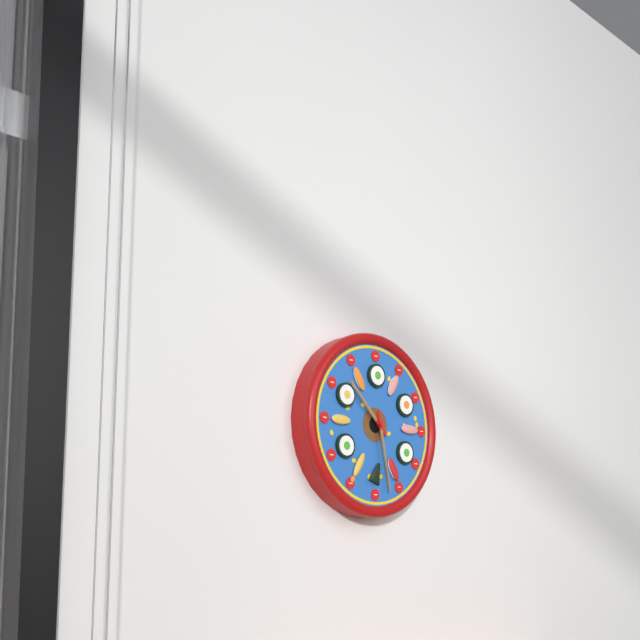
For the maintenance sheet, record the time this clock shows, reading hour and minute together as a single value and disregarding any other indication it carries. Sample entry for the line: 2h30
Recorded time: 10h28
